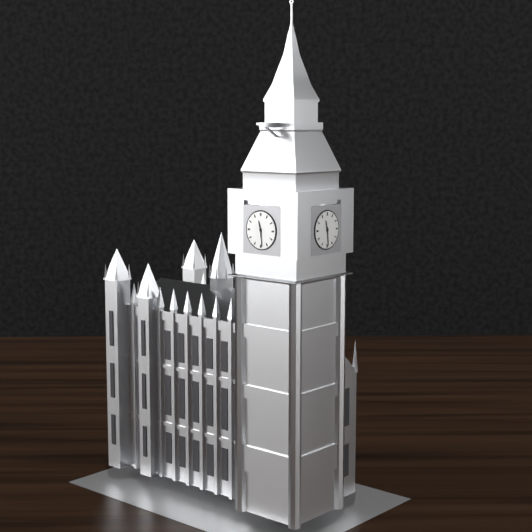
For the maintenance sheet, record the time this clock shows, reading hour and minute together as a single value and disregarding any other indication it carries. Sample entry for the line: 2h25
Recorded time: 11h29
